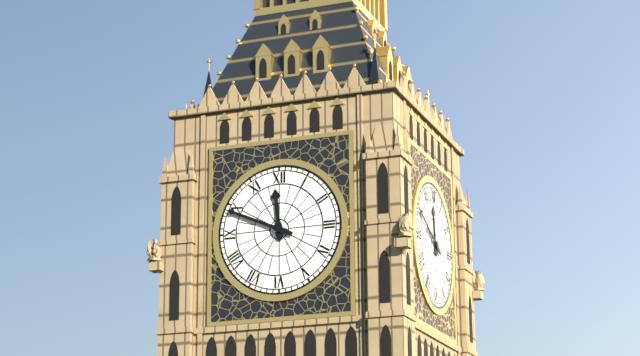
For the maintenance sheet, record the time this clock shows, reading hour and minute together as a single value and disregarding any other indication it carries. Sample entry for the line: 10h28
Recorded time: 11h49
